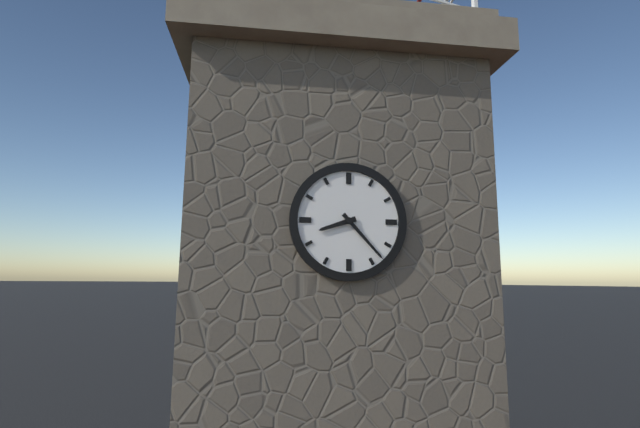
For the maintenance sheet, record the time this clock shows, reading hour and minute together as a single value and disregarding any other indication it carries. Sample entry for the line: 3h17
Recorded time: 8h23
